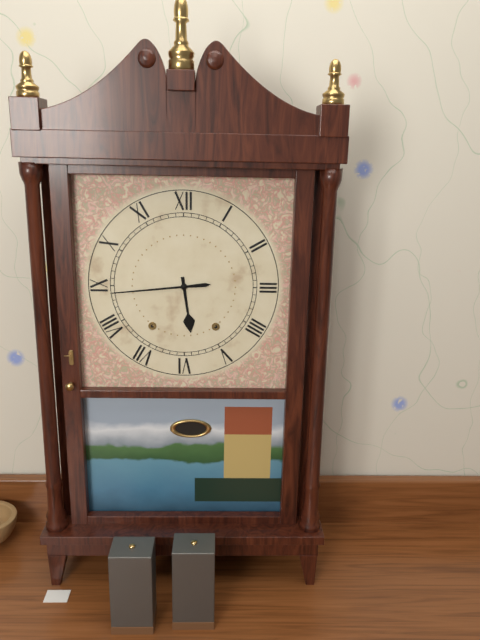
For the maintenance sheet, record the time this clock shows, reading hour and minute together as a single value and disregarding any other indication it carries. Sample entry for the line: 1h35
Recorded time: 5h44
